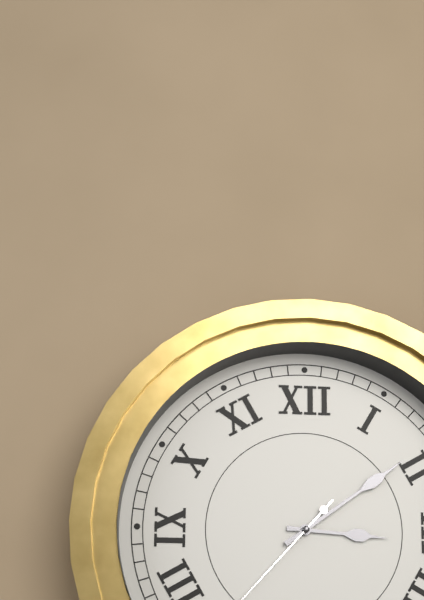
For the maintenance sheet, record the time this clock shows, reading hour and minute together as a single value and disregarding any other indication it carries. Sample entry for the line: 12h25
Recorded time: 3h09
